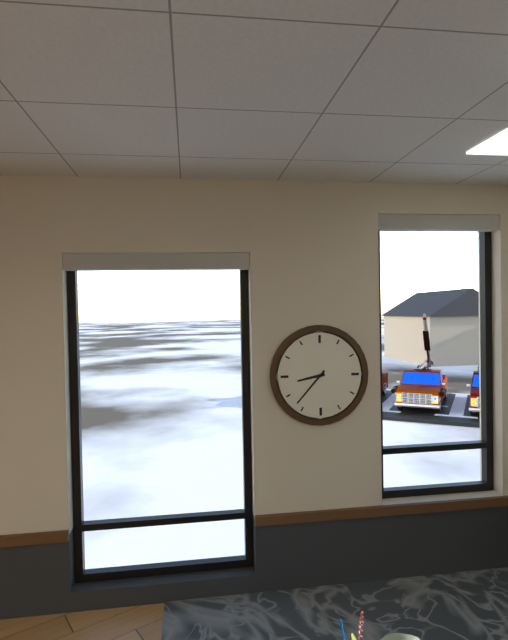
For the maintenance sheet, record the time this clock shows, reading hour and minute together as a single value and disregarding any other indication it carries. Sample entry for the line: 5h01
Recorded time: 8h37
